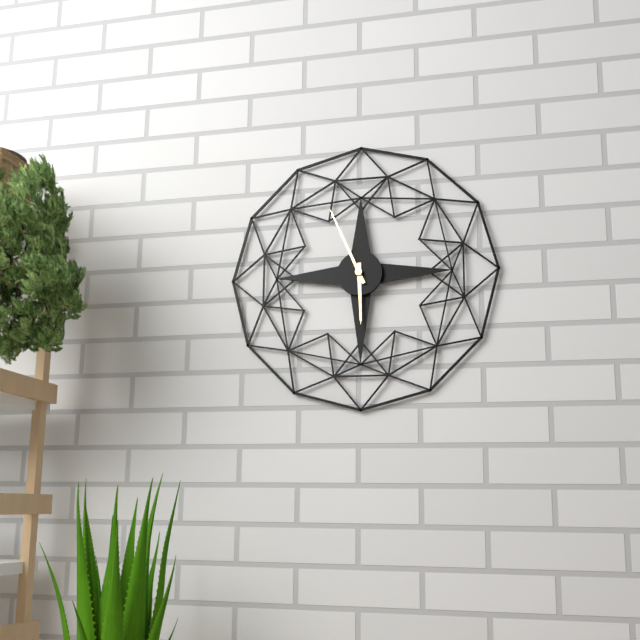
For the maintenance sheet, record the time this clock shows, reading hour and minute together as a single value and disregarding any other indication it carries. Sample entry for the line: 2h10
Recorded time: 5h56
